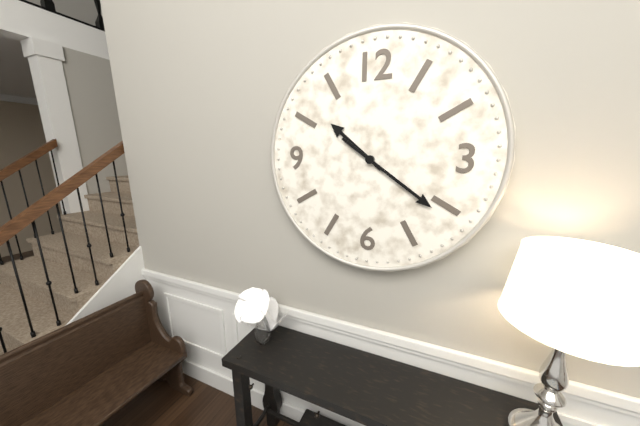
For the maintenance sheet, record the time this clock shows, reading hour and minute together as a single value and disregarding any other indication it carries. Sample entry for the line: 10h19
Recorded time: 10h21
